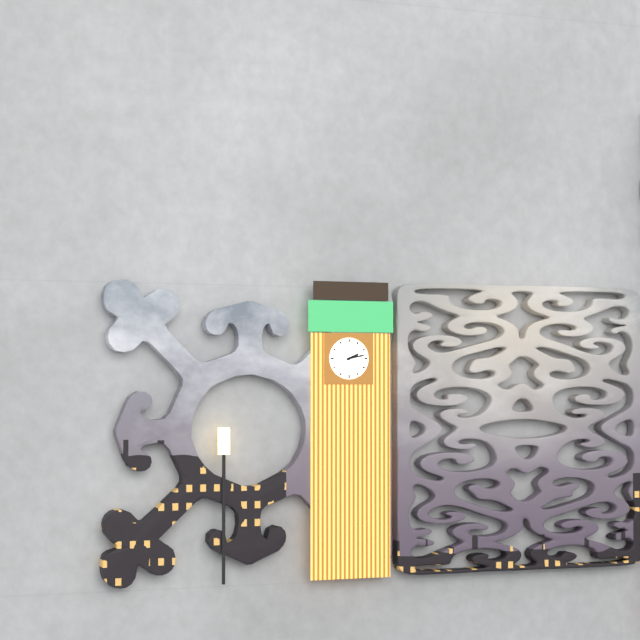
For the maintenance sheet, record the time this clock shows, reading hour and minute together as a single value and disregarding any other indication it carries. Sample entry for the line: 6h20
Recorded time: 2h13
